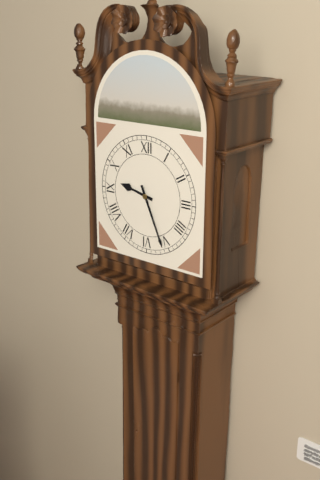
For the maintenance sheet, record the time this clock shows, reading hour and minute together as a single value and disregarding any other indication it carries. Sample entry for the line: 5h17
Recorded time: 9h26
